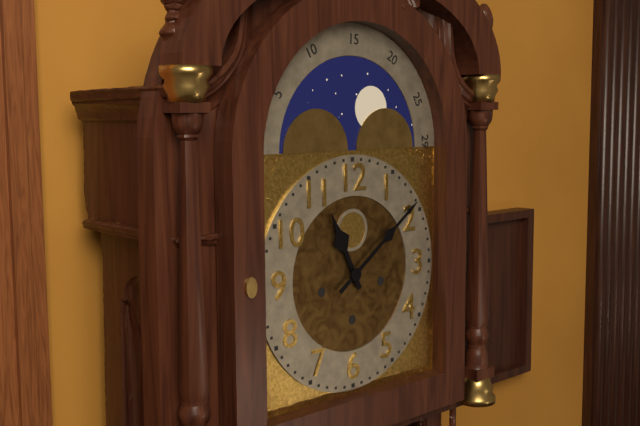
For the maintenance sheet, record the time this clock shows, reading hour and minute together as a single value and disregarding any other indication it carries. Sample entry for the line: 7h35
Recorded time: 11h09
